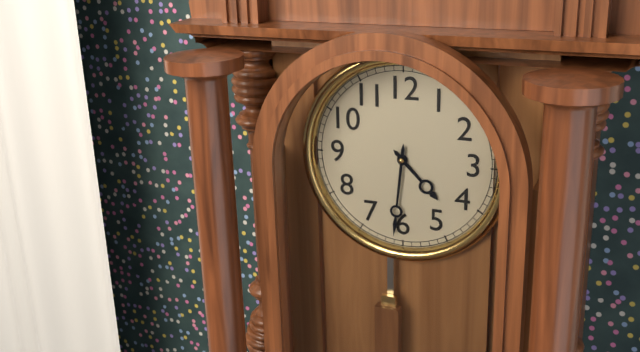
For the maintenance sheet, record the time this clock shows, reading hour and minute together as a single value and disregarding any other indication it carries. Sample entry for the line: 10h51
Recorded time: 4h31
